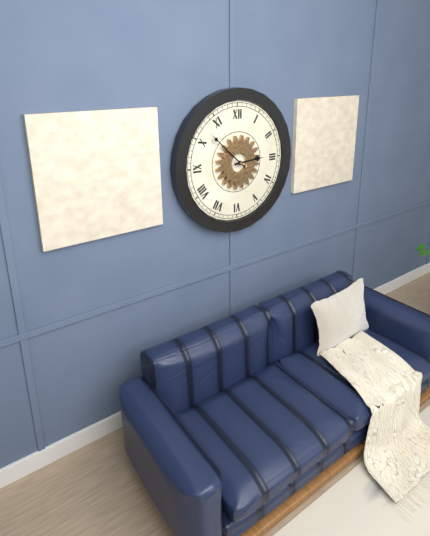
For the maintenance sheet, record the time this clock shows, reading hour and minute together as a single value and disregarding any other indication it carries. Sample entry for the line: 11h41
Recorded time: 2h52
